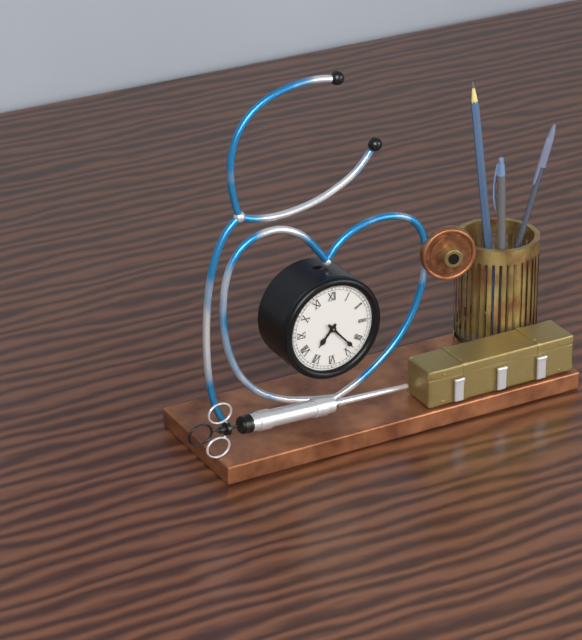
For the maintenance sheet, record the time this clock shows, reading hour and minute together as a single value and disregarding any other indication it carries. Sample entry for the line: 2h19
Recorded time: 7h23
